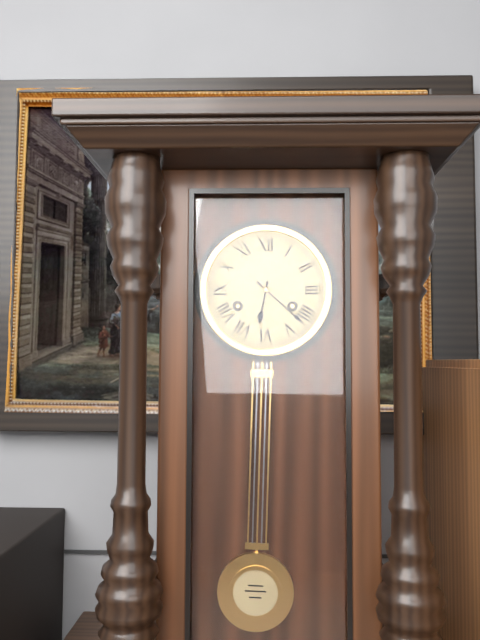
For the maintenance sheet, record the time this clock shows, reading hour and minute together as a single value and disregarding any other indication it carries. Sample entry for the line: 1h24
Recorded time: 6h22
